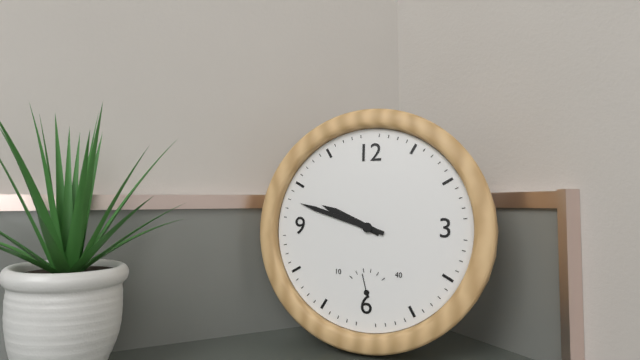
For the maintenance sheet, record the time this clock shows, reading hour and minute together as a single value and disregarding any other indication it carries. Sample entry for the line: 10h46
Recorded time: 9h48
